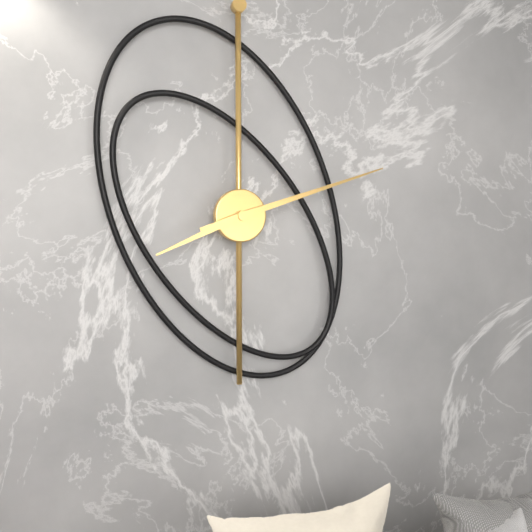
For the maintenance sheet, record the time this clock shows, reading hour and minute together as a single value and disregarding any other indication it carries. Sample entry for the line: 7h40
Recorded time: 8h12
